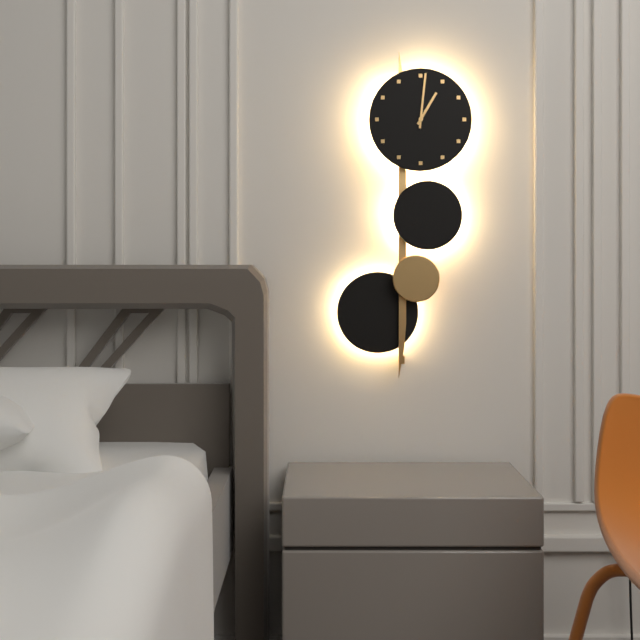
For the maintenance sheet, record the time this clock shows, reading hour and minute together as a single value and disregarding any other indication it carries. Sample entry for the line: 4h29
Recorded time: 1h01
